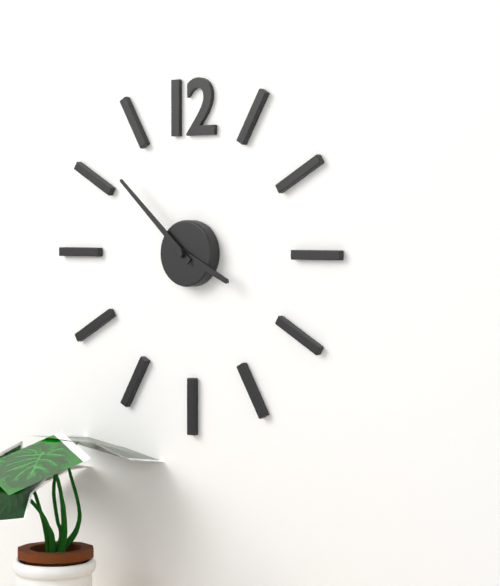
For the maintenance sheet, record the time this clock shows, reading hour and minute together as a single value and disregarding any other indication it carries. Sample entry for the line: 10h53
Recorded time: 3h52
